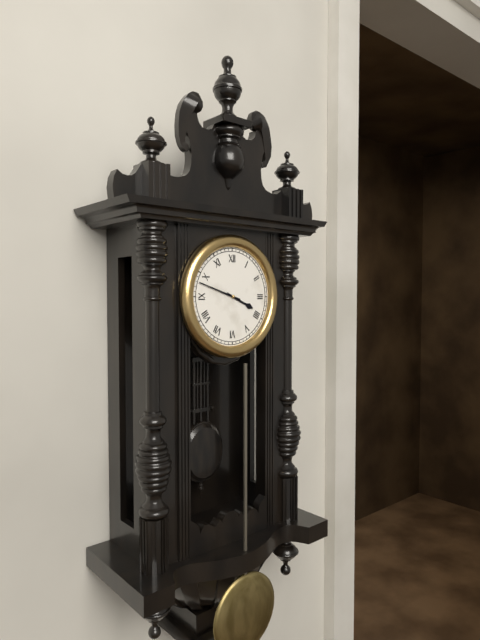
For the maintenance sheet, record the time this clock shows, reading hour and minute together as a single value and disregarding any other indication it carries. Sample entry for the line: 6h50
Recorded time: 3h48
